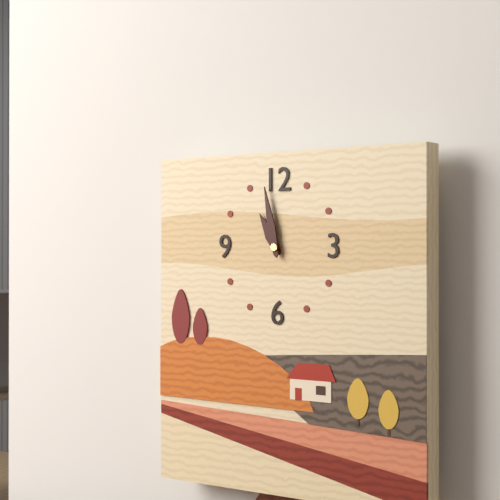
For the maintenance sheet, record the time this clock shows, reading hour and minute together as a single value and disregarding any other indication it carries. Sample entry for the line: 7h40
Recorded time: 10h58
